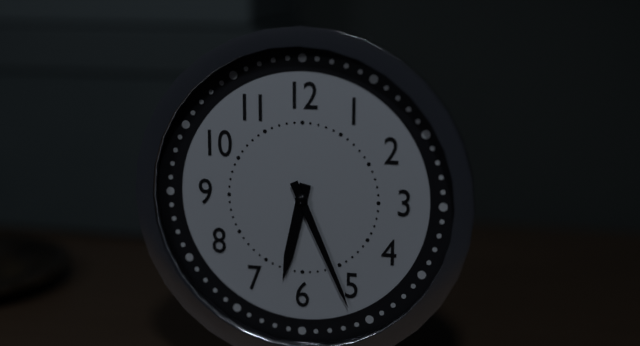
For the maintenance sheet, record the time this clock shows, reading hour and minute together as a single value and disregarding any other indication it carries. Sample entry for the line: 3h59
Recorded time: 6h26
